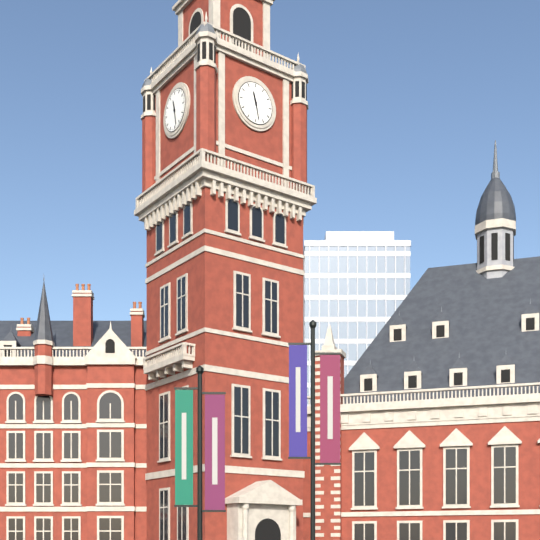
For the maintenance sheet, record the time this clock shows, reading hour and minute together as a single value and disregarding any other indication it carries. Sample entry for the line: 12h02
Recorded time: 11h28
